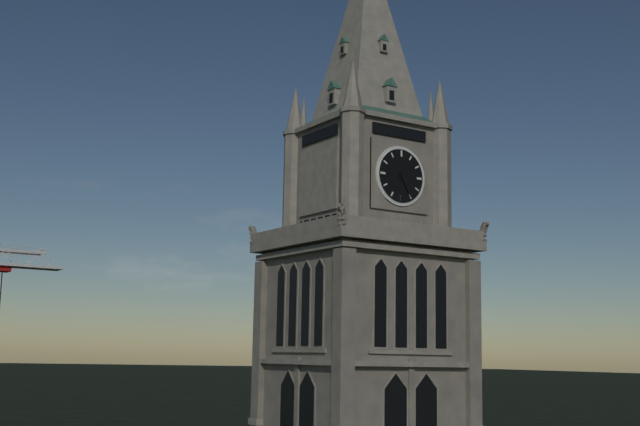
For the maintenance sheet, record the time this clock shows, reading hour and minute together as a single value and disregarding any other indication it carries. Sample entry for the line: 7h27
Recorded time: 1h25
